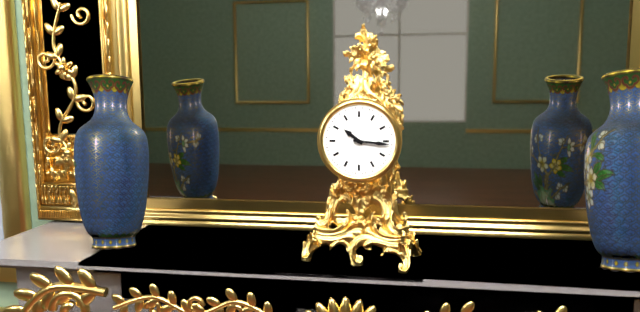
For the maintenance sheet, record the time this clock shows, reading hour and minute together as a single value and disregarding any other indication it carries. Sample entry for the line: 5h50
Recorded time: 10h16
